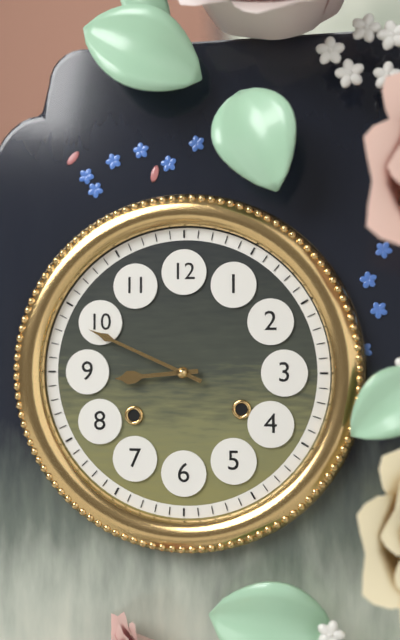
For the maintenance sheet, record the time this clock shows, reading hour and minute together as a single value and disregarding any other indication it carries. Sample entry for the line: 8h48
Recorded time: 8h49
